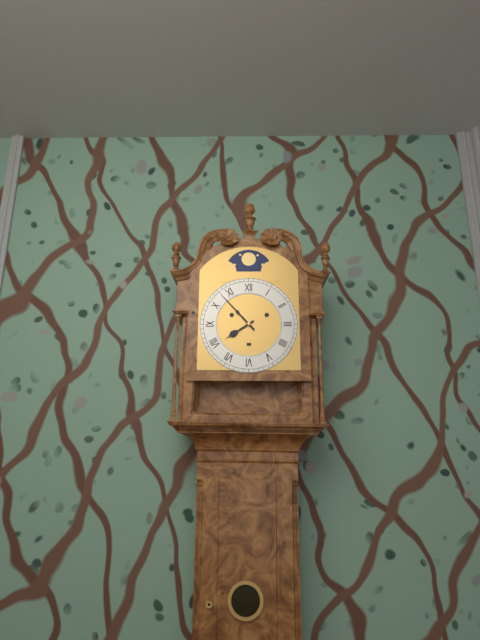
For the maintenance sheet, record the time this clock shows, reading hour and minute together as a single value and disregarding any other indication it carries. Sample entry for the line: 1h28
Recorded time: 7h53
